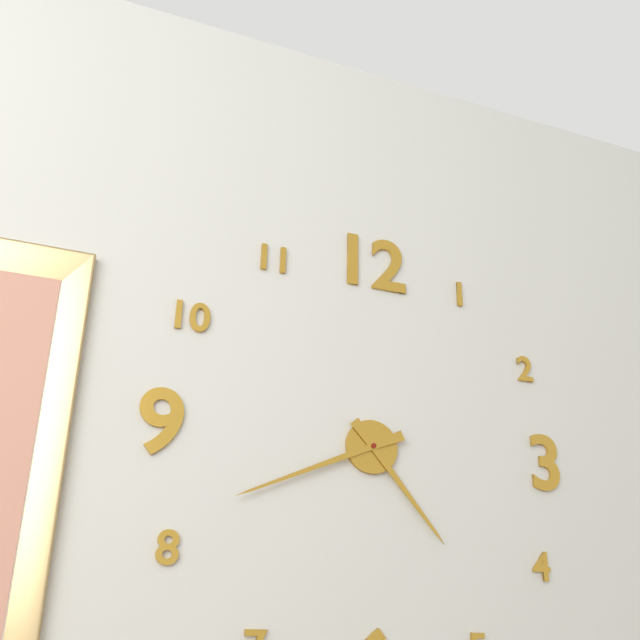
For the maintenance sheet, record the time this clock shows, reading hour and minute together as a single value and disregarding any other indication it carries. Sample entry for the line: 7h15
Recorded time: 4h41
